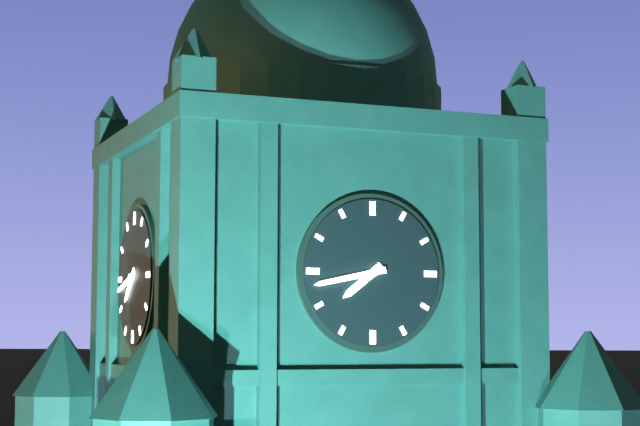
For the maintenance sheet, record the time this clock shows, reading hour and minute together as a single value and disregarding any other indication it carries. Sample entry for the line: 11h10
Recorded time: 7h43
